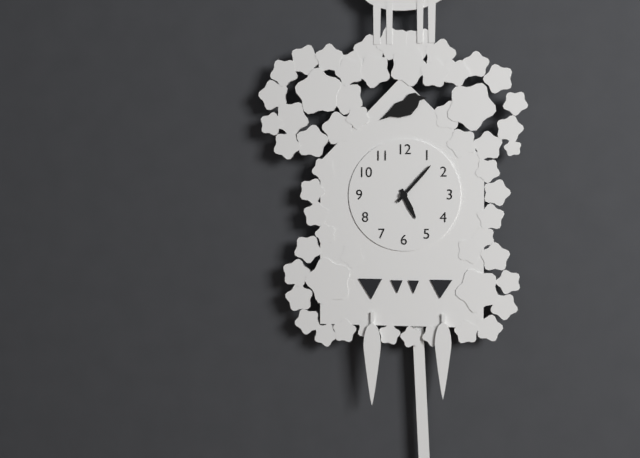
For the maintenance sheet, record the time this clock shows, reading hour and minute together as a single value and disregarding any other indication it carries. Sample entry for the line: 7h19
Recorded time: 5h07
